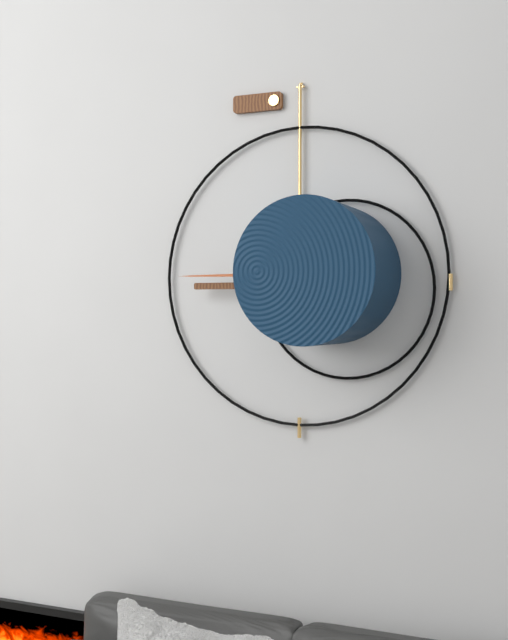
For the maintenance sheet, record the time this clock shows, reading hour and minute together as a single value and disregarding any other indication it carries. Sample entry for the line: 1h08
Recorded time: 4h45
